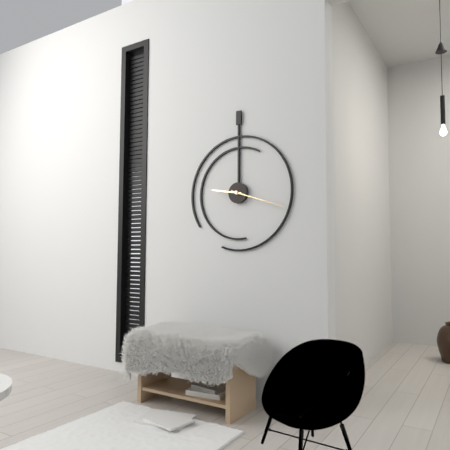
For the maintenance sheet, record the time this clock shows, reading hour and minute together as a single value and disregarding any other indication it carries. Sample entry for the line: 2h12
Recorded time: 9h18
